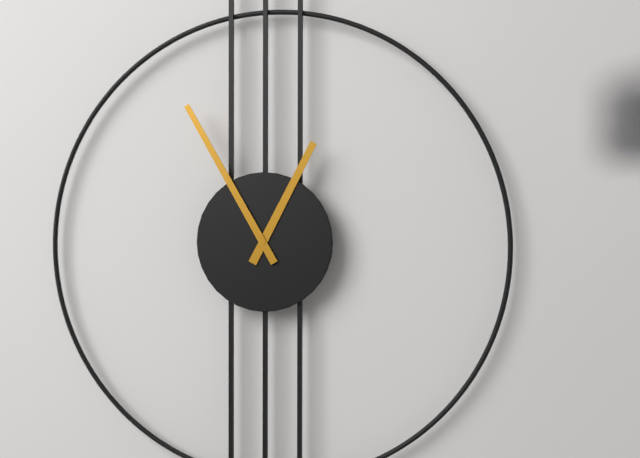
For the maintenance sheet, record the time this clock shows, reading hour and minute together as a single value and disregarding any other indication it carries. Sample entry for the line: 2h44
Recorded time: 12h55
